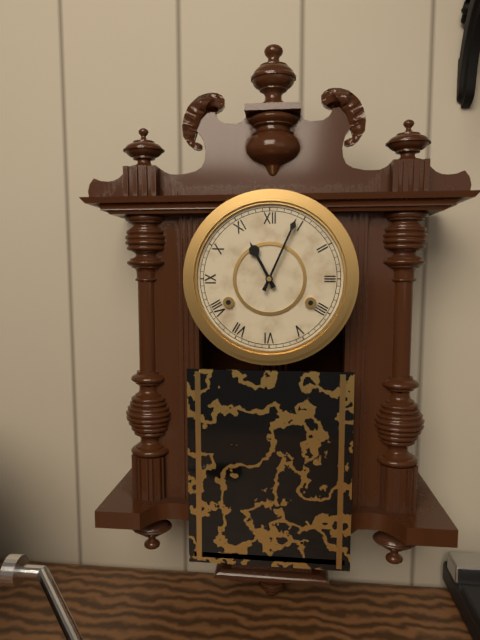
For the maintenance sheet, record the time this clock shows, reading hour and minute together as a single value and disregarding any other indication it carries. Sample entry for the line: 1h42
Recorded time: 11h04
